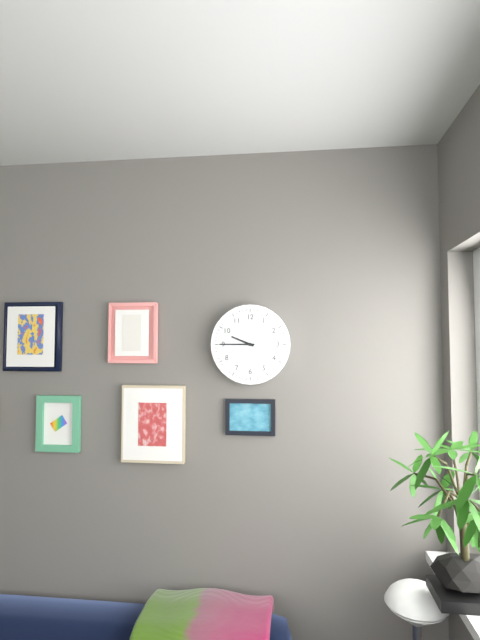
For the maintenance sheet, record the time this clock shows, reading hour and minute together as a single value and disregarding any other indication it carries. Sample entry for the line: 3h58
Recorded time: 9h45
